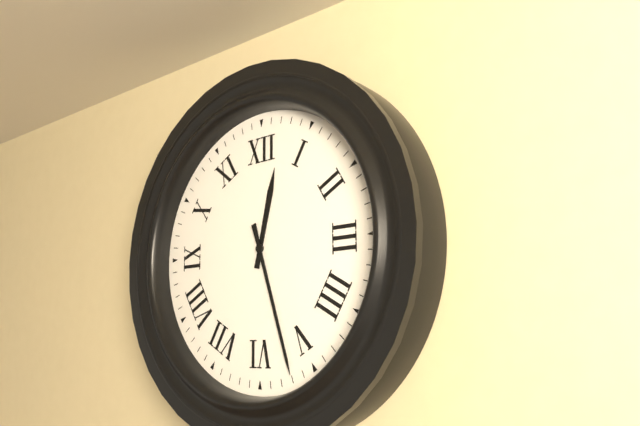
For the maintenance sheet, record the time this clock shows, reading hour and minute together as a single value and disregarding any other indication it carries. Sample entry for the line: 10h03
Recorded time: 12h27
